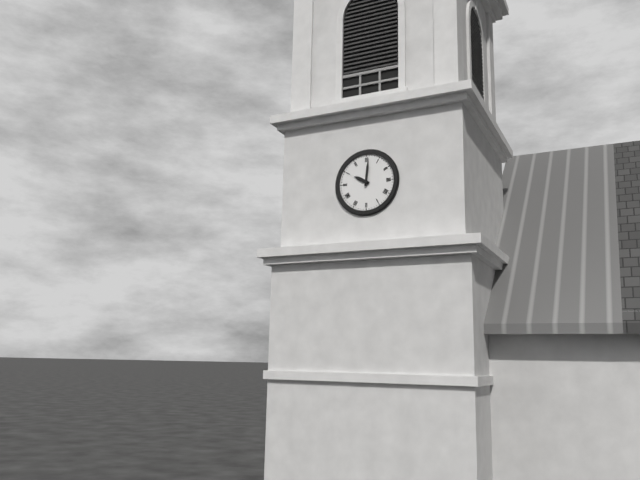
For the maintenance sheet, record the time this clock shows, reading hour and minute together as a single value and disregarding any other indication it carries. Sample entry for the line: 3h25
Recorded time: 10h01
